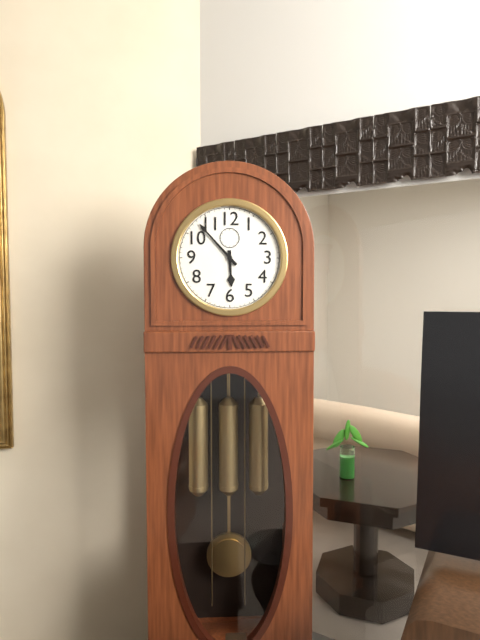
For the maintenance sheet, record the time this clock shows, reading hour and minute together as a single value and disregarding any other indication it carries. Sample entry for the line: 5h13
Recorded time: 5h53
